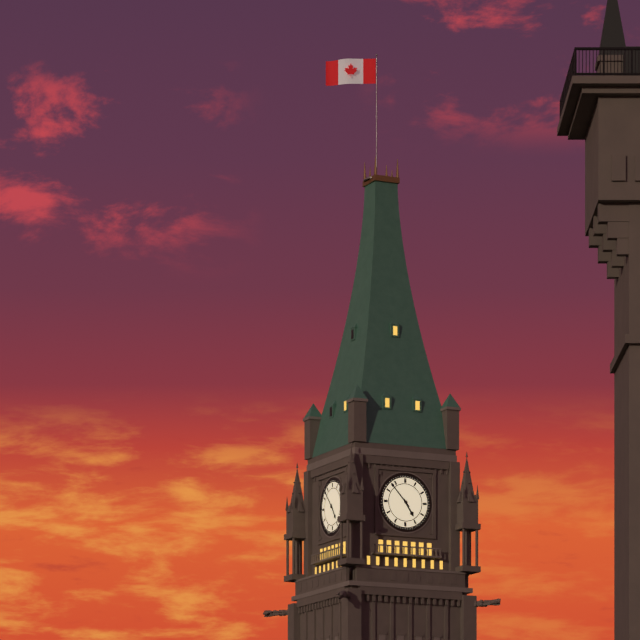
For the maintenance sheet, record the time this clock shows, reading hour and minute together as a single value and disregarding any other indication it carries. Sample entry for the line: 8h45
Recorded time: 4h53
